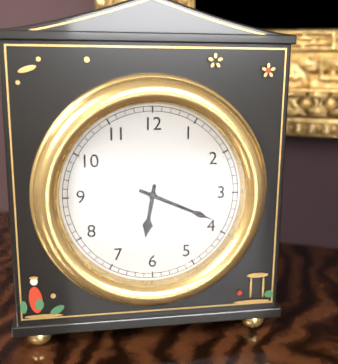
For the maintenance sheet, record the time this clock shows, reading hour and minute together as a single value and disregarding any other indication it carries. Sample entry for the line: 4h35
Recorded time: 6h19
